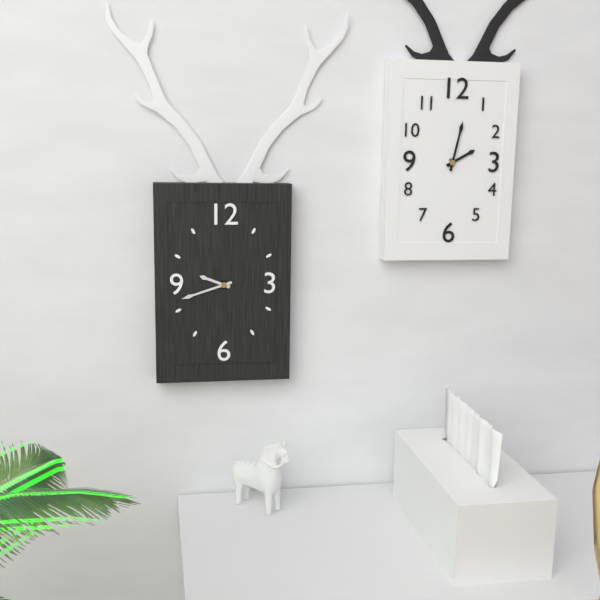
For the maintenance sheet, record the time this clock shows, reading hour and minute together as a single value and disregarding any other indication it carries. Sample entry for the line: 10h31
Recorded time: 9h42
